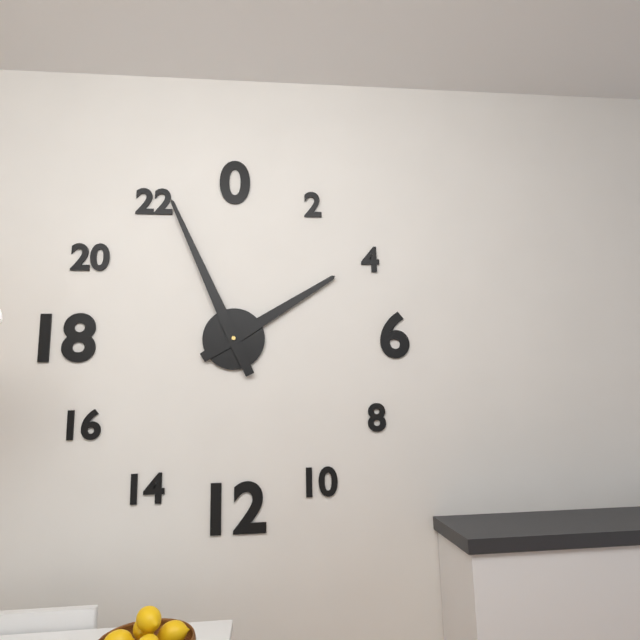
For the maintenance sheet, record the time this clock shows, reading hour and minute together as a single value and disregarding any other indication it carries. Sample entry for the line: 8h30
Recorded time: 1h56
